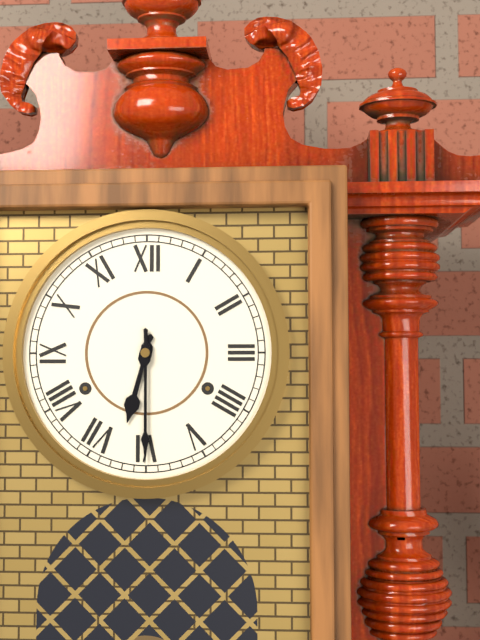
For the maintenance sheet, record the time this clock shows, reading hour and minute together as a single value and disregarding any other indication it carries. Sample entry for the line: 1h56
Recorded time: 6h30
